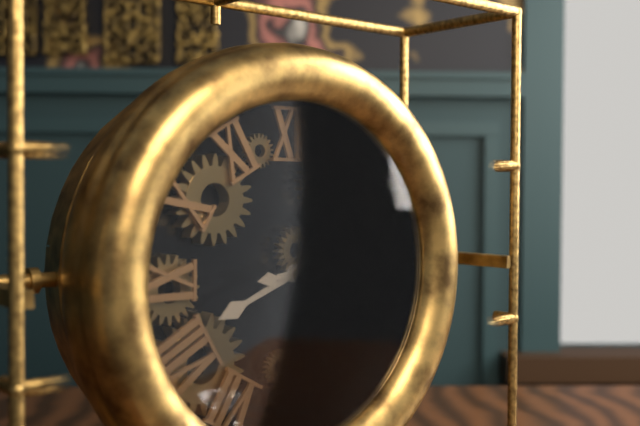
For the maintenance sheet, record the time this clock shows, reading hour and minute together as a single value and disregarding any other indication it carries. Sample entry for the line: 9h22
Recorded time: 8h14
